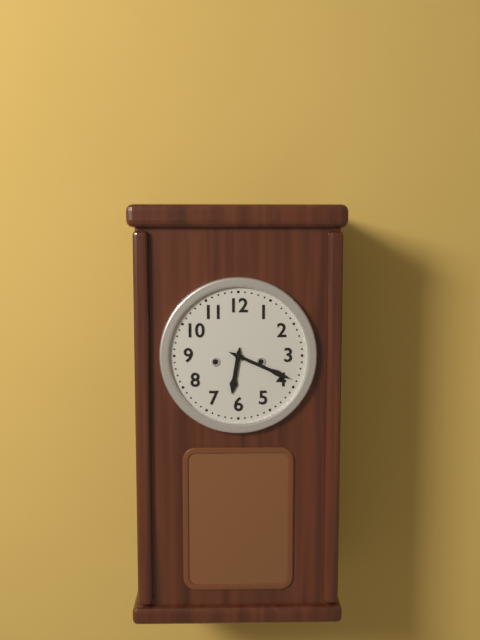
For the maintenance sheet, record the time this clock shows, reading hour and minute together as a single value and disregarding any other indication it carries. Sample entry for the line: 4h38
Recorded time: 6h19
